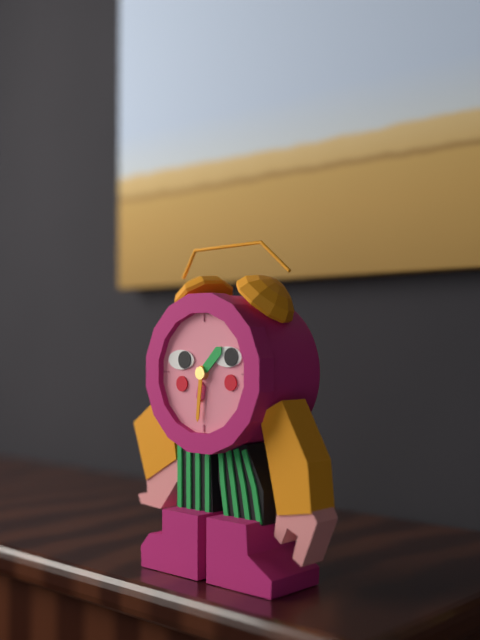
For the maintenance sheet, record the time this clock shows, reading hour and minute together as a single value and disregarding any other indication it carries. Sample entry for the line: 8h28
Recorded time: 1h31
